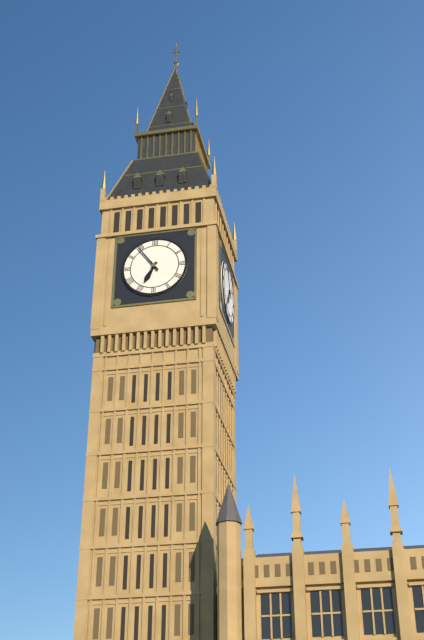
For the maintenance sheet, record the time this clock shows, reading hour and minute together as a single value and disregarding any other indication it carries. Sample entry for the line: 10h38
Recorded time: 6h54
